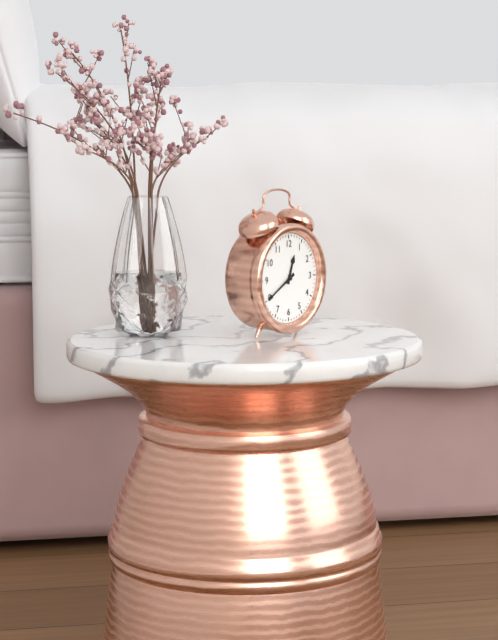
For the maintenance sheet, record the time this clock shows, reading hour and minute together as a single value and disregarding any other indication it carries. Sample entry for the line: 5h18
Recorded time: 12h40
